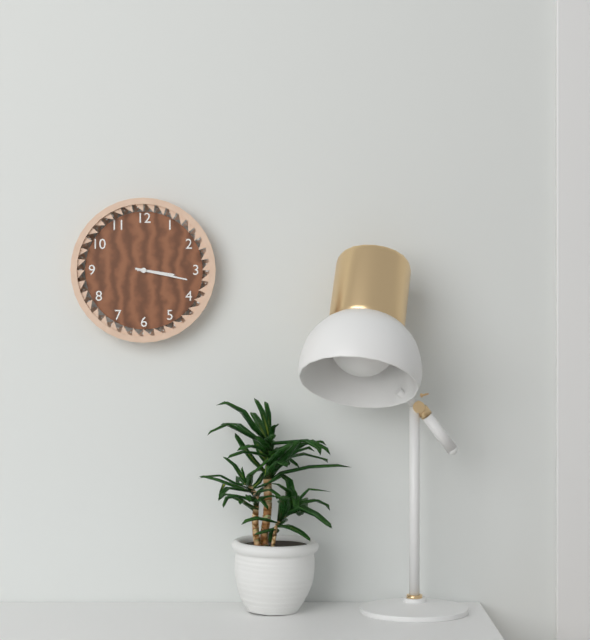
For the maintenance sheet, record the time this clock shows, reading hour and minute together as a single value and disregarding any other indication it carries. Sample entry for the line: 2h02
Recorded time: 3h17
